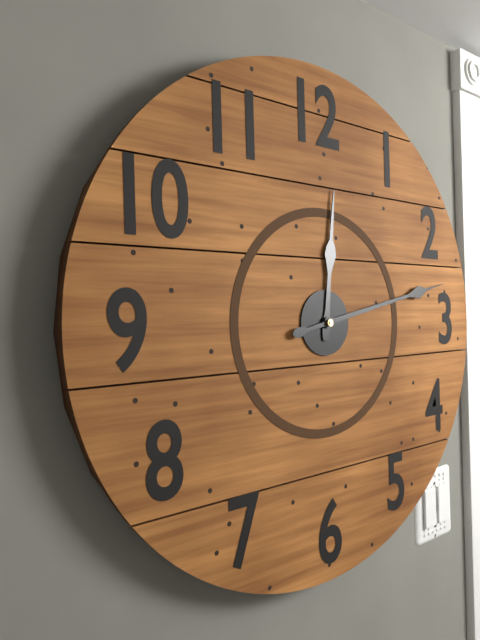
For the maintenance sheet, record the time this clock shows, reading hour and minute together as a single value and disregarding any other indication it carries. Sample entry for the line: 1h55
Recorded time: 12h13
